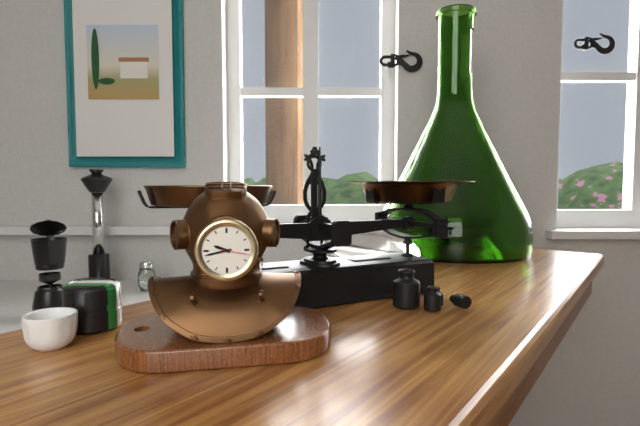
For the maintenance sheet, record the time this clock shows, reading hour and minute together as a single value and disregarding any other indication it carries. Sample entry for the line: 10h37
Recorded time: 9h43
